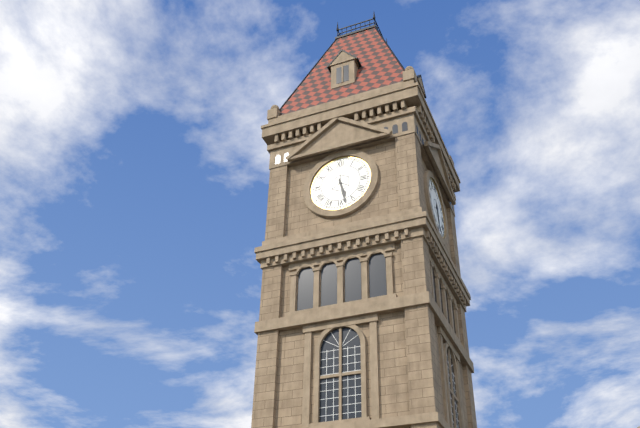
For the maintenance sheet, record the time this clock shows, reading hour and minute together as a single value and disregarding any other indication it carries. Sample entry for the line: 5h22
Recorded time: 5h28
